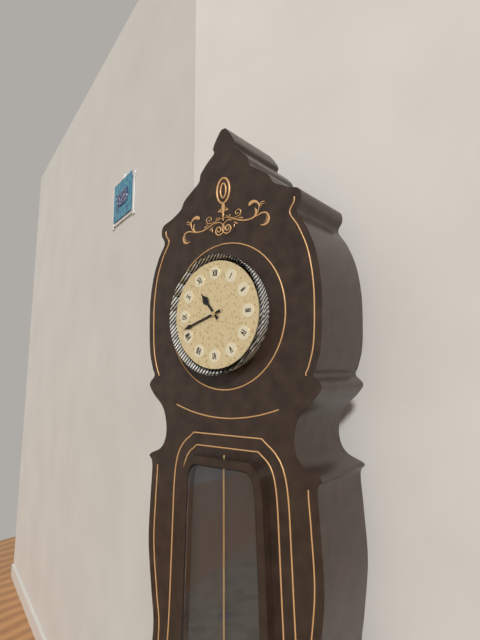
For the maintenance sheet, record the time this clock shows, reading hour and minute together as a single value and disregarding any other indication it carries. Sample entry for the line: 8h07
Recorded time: 10h42
